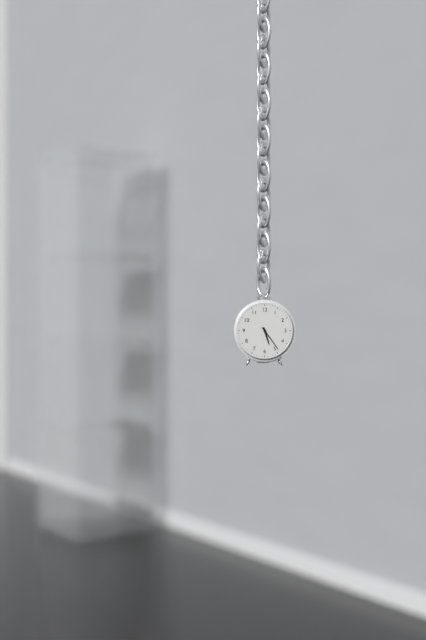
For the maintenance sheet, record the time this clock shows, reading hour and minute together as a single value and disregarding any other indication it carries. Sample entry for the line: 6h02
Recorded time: 5h24
